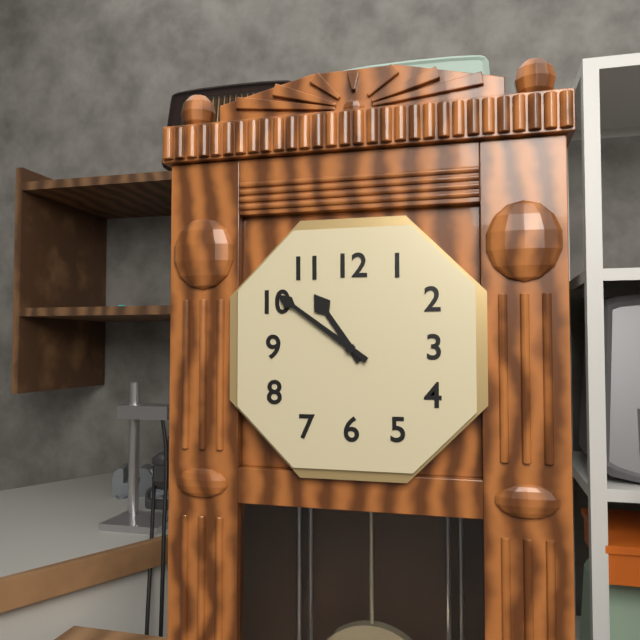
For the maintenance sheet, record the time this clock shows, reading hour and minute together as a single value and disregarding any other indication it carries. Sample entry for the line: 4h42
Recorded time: 10h51
